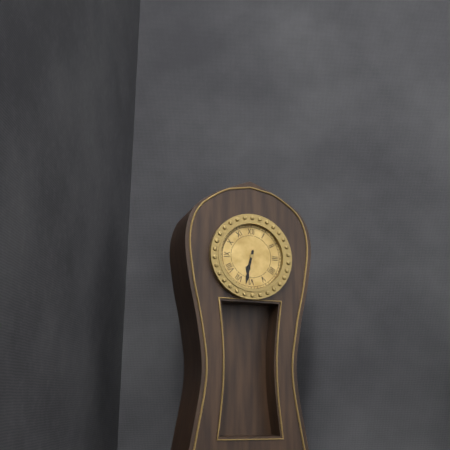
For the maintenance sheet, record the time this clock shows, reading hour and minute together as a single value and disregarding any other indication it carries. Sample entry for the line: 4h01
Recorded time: 6h32
